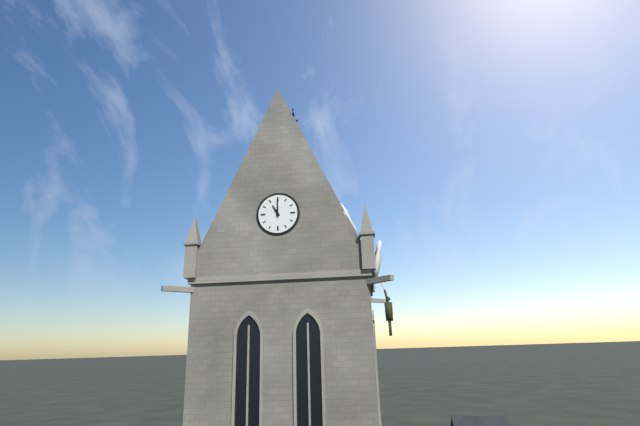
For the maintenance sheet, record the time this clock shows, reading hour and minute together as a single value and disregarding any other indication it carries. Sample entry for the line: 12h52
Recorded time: 11h00
